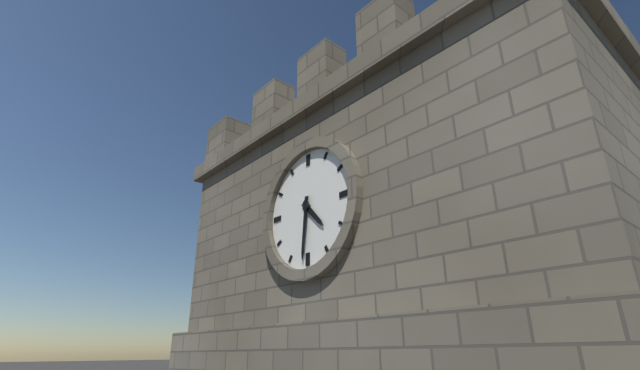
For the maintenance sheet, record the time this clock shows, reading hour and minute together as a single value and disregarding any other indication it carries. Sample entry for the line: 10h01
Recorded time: 4h31
